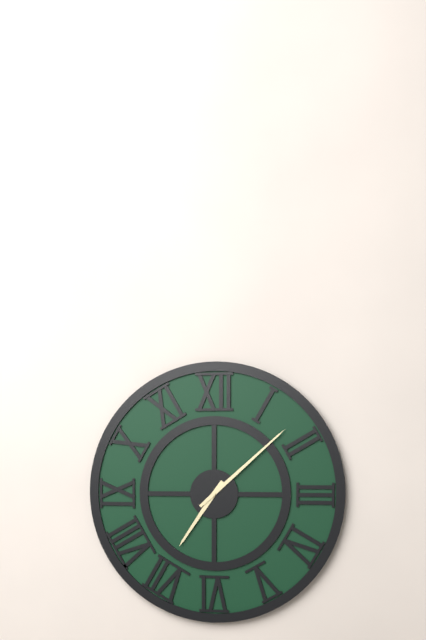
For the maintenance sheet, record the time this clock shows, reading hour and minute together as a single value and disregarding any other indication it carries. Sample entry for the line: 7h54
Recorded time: 7h08
